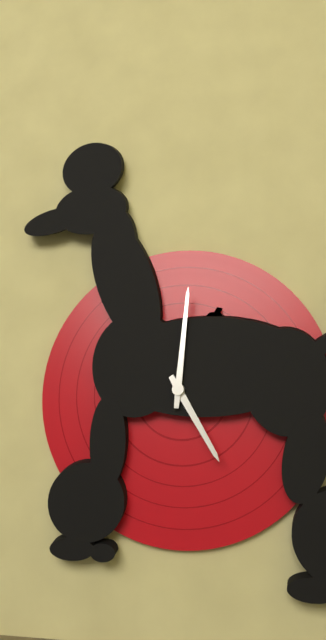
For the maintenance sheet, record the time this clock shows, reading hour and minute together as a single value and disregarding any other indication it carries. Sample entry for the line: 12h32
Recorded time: 5h01
